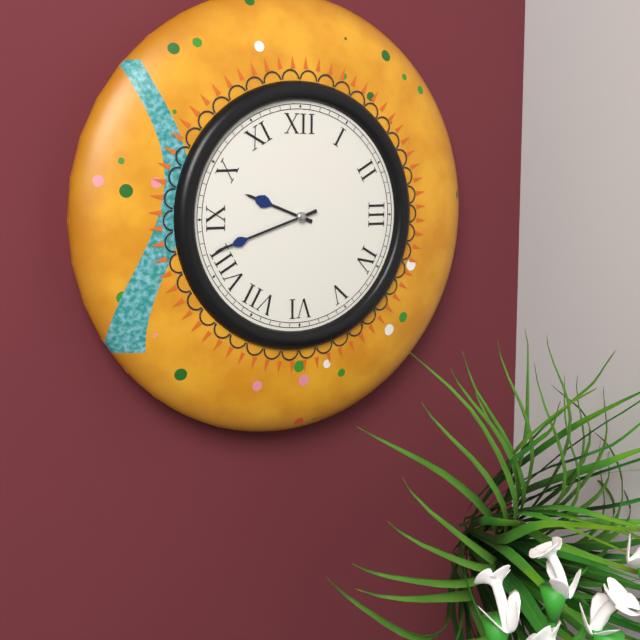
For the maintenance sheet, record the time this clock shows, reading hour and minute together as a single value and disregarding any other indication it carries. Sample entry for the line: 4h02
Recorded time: 9h42
